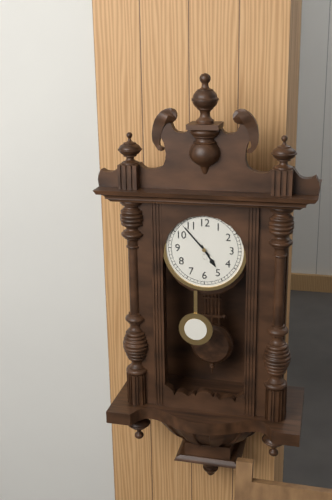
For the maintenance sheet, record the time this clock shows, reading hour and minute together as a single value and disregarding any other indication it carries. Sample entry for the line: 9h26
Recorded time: 4h53
